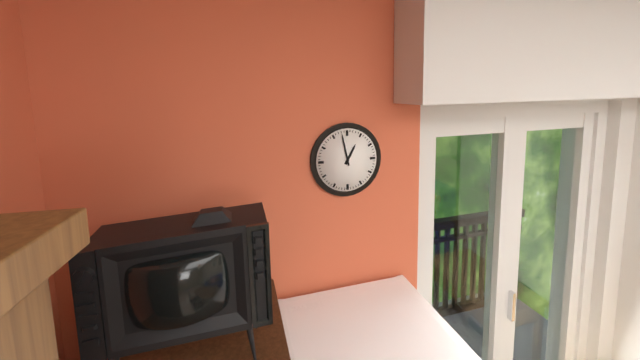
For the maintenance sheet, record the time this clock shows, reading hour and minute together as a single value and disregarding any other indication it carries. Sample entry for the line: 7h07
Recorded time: 12h58
